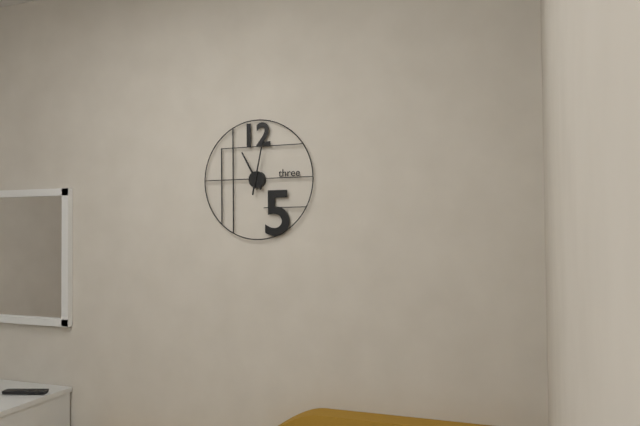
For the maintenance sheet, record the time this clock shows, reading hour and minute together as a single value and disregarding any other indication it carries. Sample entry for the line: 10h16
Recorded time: 11h02
